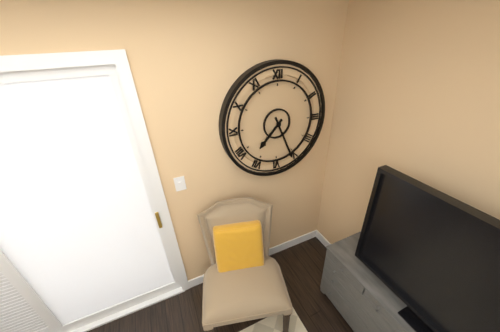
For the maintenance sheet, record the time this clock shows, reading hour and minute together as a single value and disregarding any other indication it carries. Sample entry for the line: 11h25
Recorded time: 7h26
